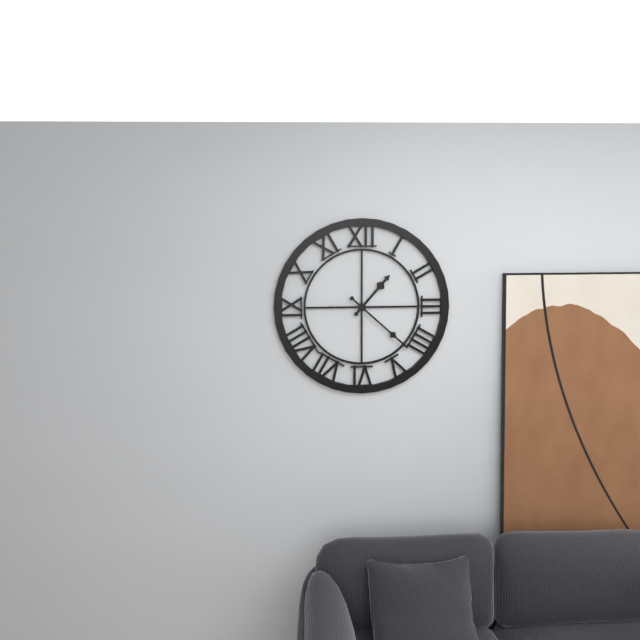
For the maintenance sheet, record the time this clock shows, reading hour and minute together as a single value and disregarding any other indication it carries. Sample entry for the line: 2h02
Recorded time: 1h22
